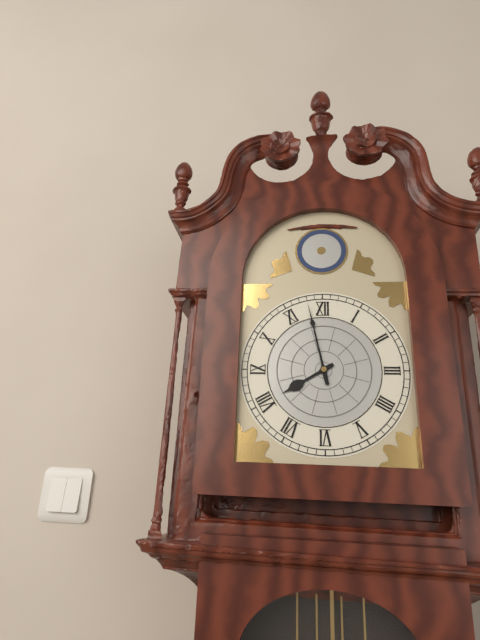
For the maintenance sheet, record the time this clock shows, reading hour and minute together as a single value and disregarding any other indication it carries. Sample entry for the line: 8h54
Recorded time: 7h58
